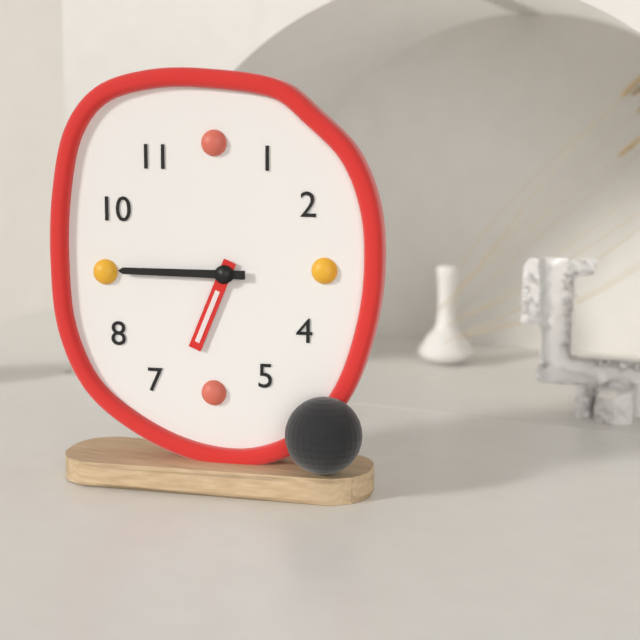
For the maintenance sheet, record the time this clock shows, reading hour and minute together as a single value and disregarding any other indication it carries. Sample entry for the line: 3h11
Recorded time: 6h45
